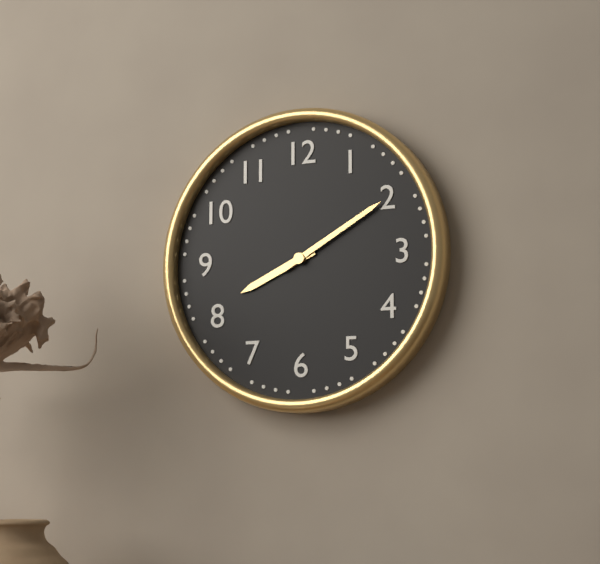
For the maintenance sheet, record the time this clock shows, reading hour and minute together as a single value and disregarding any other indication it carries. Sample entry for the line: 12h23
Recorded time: 8h10
